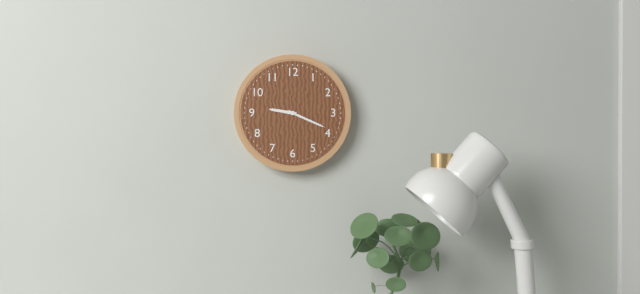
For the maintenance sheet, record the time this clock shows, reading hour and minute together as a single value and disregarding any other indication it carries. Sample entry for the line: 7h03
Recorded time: 9h19
